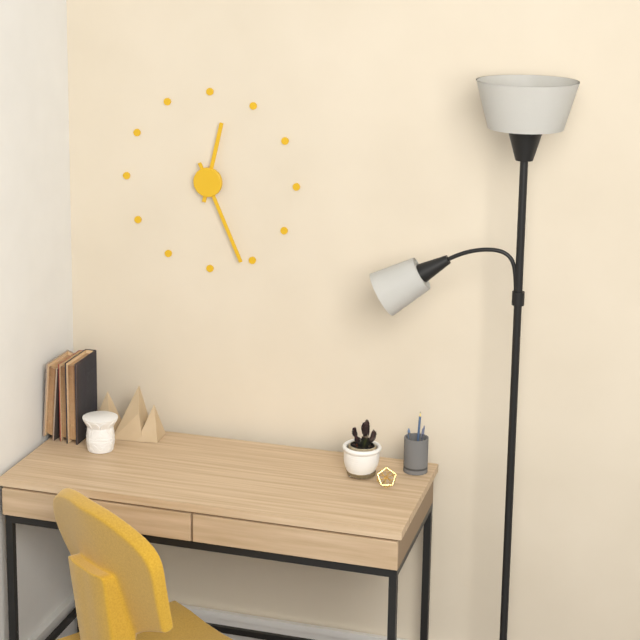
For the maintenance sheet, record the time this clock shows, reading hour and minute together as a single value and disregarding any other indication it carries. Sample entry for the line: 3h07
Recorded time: 12h26
